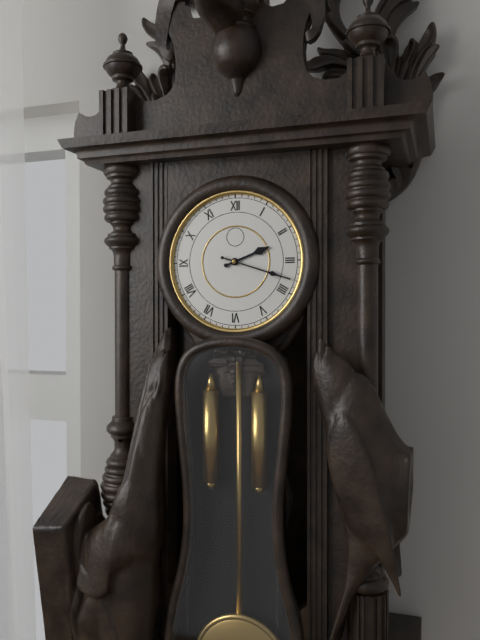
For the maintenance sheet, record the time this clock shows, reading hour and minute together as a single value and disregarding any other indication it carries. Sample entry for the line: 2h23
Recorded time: 2h18
